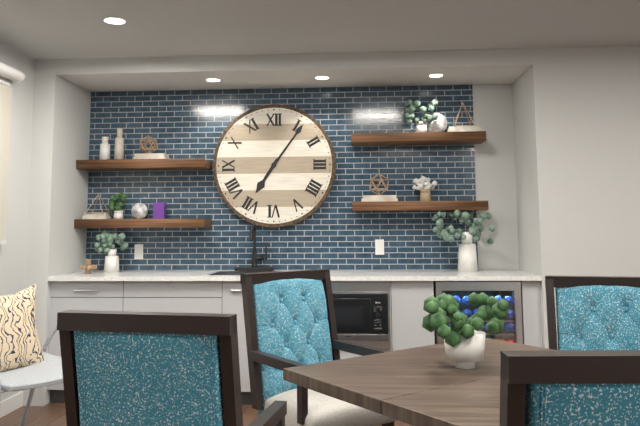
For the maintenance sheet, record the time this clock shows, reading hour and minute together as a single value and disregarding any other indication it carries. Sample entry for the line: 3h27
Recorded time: 7h06
